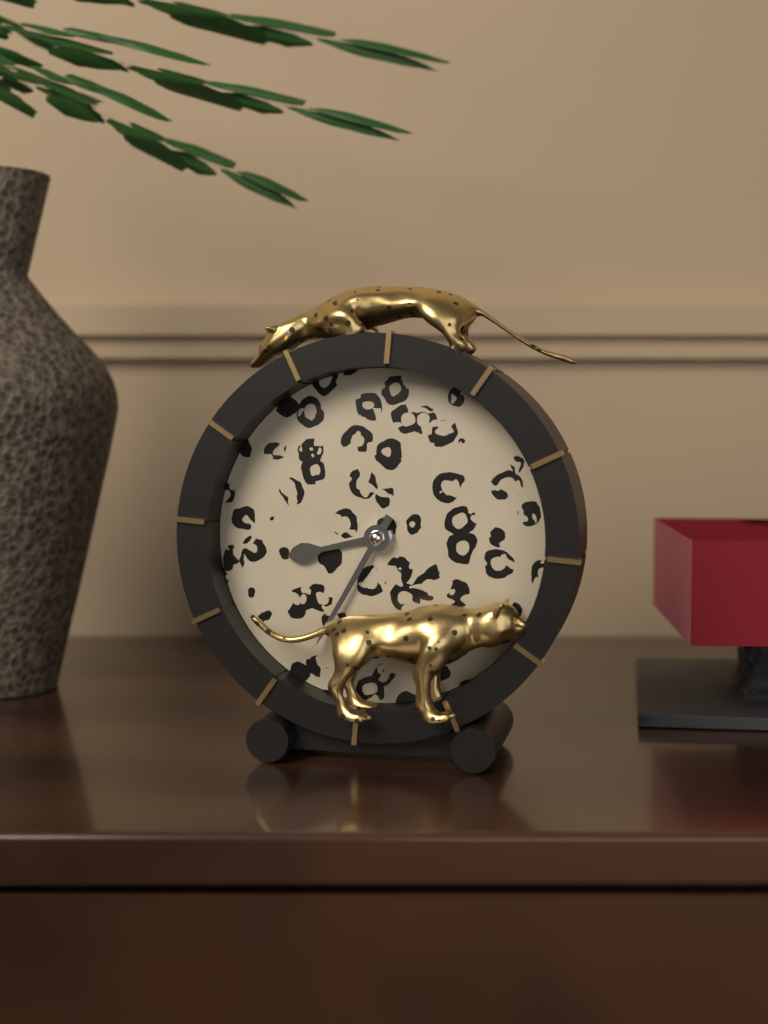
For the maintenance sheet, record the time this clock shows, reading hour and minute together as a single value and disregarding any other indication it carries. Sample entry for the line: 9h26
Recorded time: 8h35
